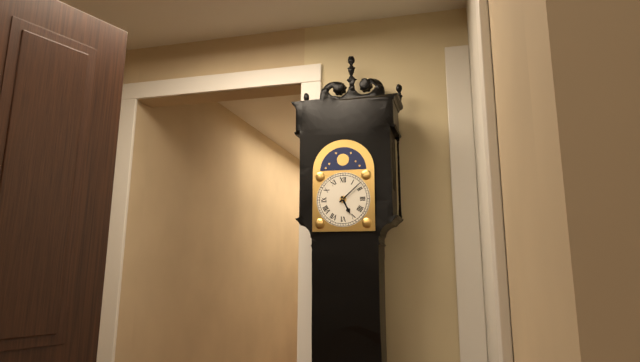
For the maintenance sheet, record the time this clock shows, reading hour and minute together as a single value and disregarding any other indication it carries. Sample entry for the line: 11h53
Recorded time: 5h08
